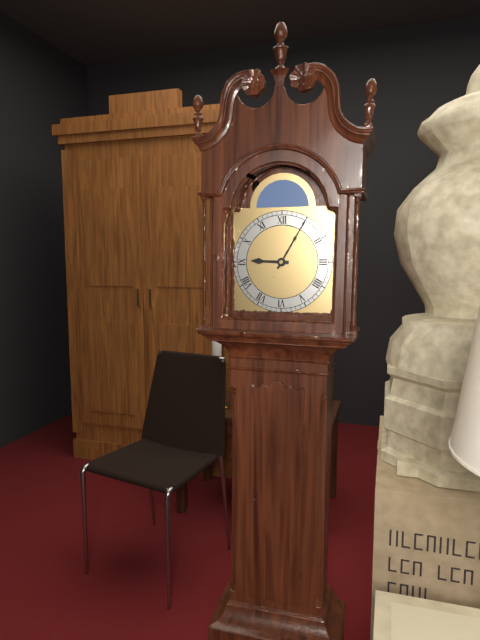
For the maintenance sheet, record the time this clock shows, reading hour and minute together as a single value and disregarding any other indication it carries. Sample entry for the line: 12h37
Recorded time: 9h05
